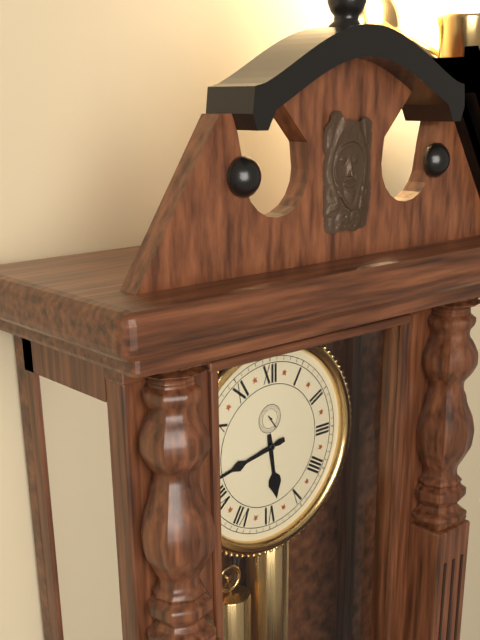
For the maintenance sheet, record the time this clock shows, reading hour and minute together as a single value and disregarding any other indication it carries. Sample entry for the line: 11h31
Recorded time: 5h43
